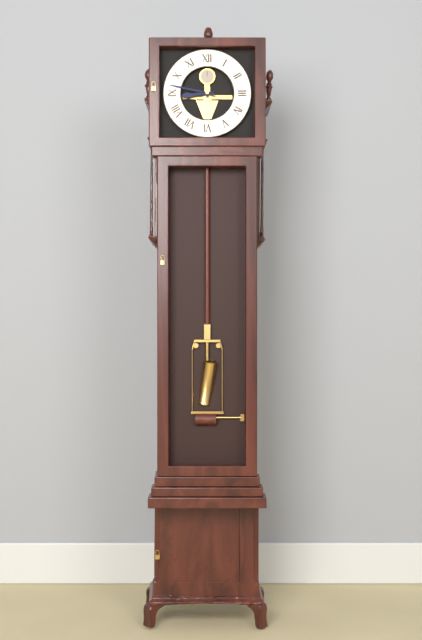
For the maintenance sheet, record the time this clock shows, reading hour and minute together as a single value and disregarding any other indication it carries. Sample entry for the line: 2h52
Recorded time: 8h47
